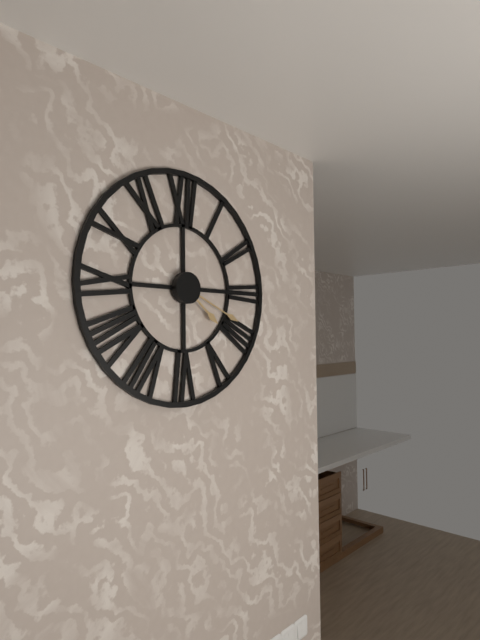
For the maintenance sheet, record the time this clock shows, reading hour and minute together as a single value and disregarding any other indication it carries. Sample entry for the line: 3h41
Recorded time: 4h19
